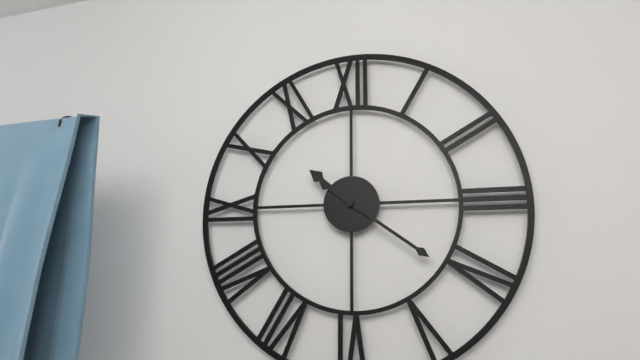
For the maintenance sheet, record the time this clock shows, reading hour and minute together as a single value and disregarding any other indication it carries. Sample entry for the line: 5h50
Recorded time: 10h21
